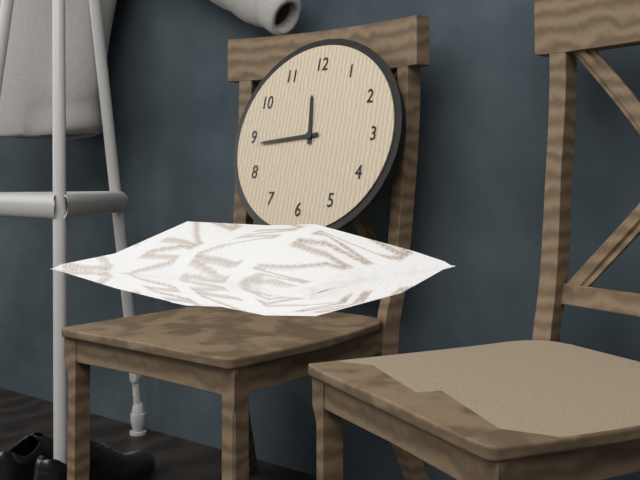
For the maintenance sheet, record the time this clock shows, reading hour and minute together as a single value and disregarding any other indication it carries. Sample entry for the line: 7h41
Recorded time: 11h44
